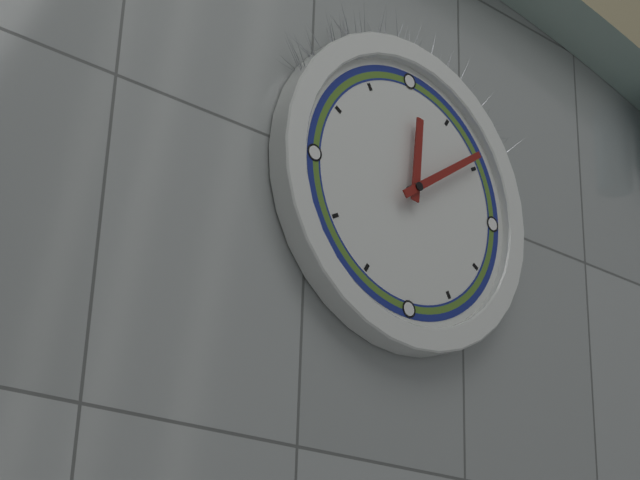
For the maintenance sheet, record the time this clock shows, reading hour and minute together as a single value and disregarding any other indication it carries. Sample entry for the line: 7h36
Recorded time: 12h09
